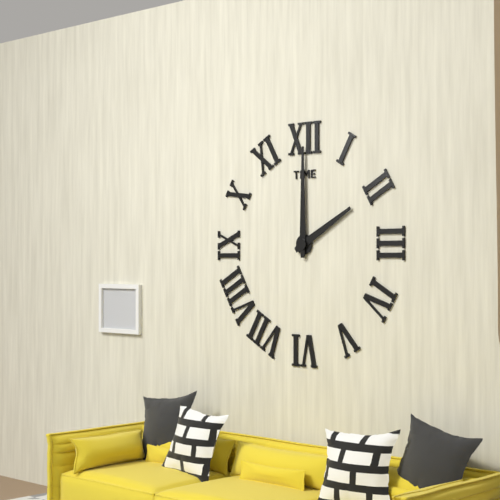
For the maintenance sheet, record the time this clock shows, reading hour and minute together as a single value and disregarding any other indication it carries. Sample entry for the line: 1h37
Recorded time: 2h00
